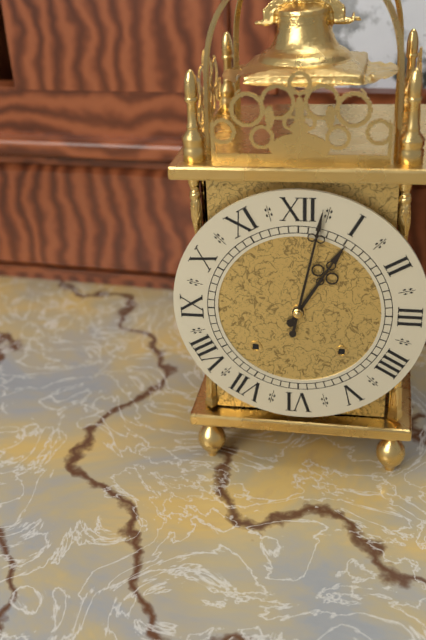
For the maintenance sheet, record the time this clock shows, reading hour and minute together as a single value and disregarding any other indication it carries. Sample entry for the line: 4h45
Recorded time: 1h02
